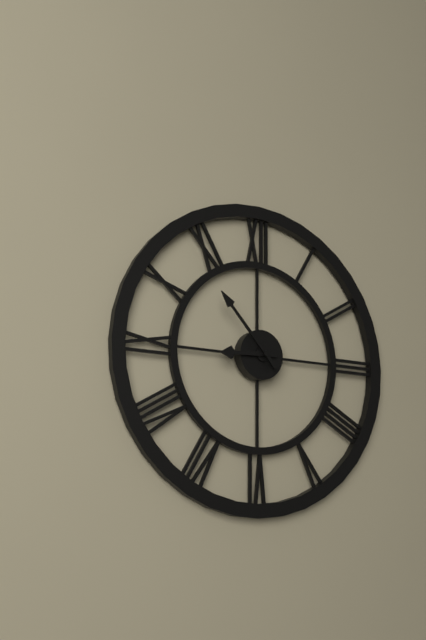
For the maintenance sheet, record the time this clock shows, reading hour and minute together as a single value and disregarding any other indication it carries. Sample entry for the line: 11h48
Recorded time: 8h53
